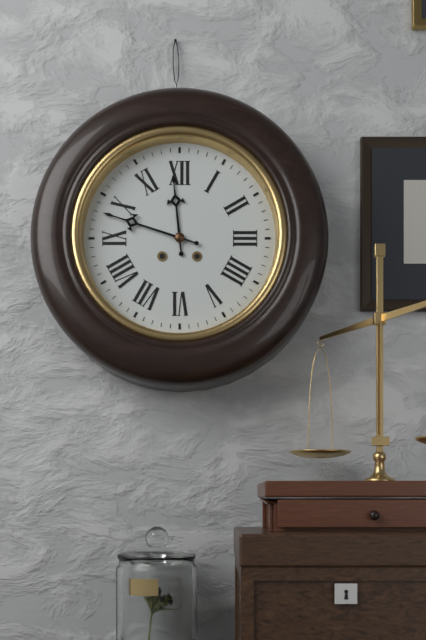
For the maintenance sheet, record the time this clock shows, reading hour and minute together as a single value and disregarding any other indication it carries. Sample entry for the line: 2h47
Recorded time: 11h48
